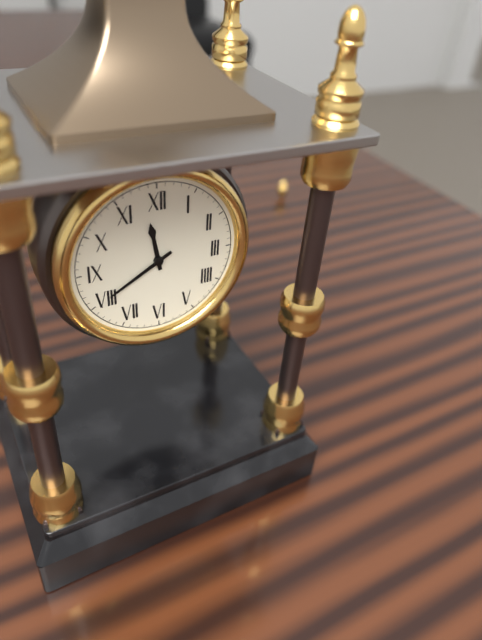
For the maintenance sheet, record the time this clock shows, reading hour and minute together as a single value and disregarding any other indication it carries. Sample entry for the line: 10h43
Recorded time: 11h40
